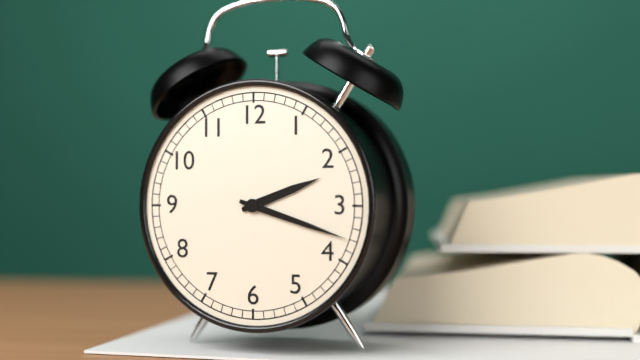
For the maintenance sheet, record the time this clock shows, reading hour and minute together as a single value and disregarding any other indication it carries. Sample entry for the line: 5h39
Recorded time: 2h18
